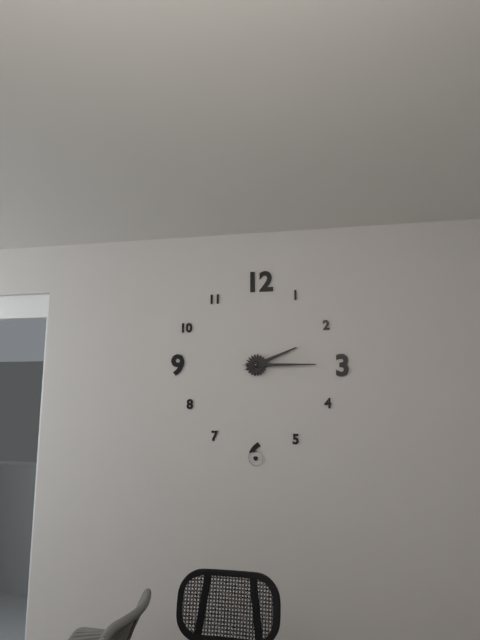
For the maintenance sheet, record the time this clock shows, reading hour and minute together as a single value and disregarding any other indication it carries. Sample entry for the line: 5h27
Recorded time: 2h15
